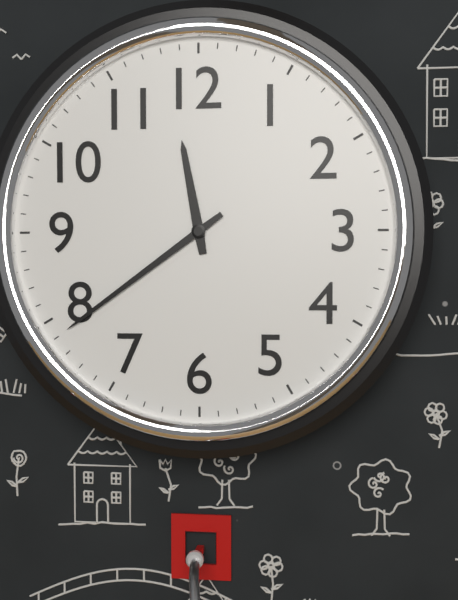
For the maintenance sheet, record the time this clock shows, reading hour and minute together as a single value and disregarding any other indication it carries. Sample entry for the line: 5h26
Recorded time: 11h39
